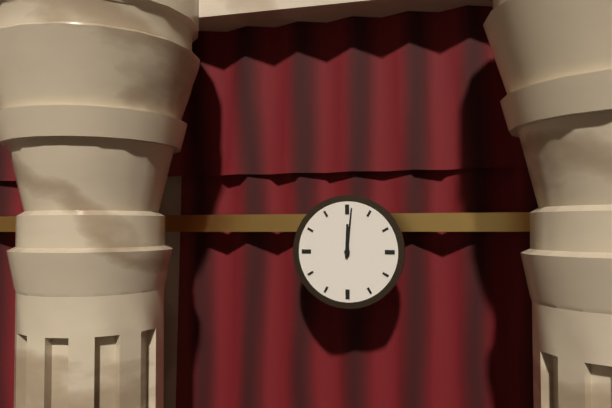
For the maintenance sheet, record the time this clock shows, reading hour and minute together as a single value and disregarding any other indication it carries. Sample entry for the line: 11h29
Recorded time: 12h01
